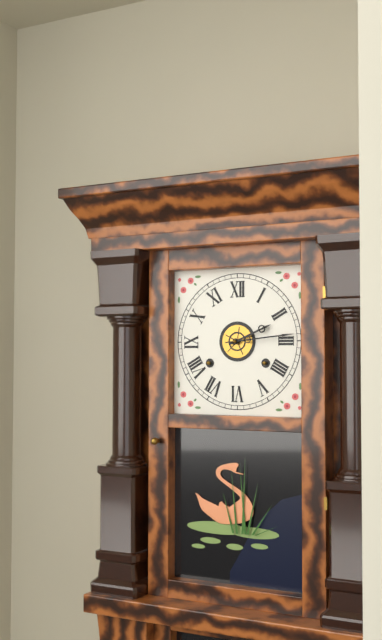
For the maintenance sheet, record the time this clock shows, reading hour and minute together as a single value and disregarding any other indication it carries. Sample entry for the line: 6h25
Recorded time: 2h14
